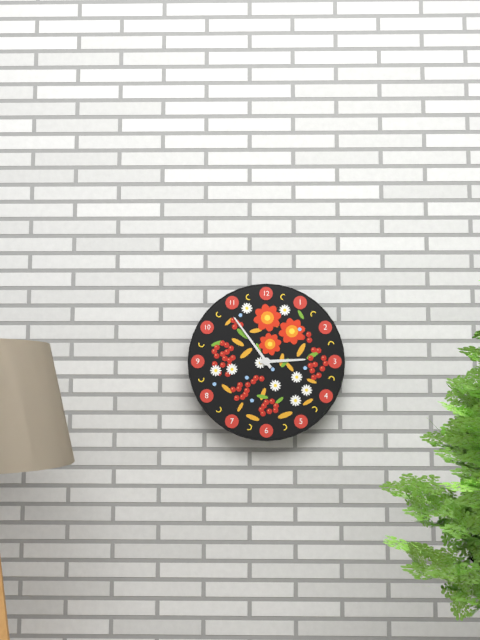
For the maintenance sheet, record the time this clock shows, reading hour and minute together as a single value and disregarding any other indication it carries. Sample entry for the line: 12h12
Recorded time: 2h54
